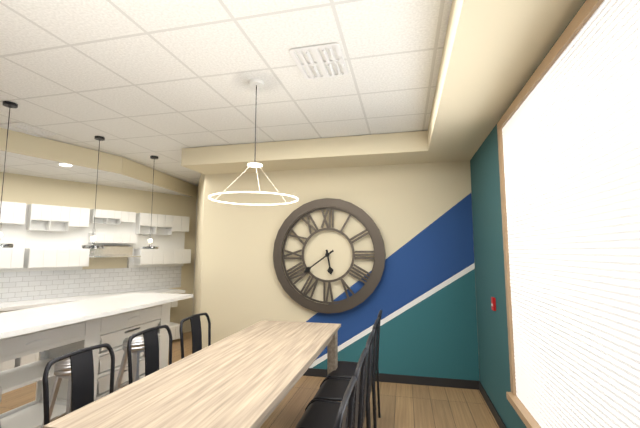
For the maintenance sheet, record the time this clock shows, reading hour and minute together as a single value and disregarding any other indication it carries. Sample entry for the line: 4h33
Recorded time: 5h39
